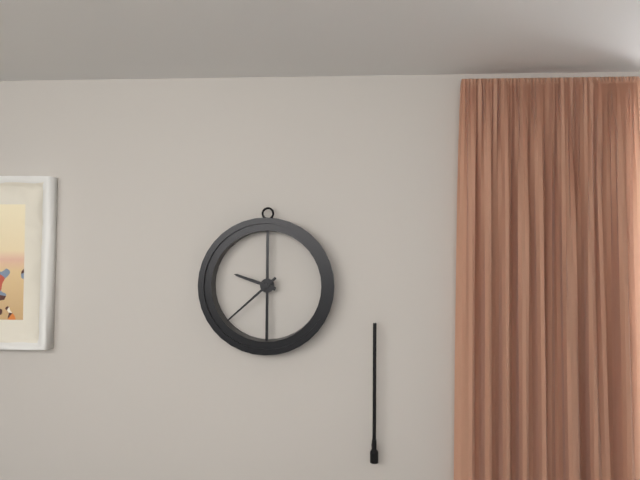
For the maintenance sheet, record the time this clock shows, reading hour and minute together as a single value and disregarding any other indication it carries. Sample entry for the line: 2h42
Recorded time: 9h38
